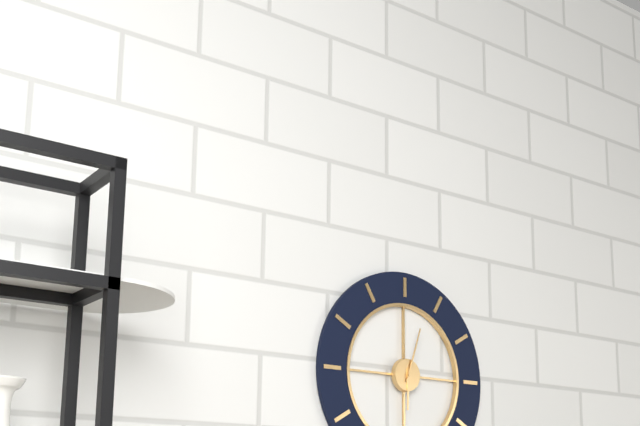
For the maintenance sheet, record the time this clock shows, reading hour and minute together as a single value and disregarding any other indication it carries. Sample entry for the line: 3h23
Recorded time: 6h03
